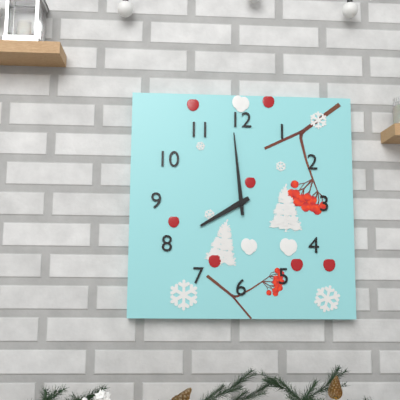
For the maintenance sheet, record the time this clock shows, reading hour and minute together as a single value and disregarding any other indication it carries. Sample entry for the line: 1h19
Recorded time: 7h59
